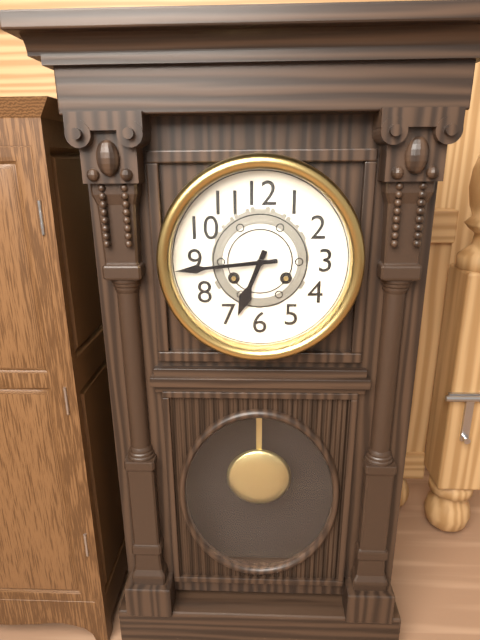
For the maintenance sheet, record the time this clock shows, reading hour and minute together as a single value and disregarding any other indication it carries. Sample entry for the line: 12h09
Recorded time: 6h44
